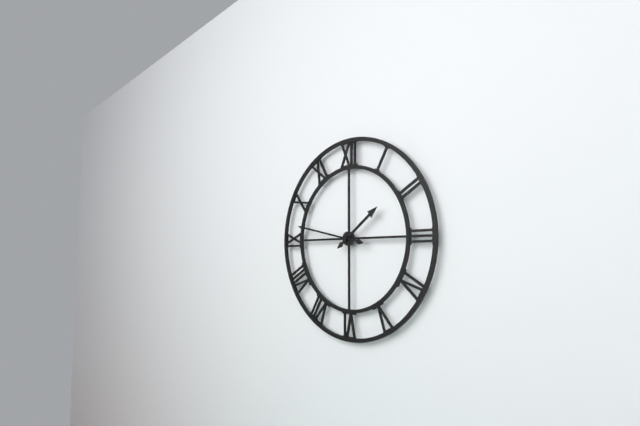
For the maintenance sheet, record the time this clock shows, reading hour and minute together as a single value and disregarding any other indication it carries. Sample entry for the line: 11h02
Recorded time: 1h47
